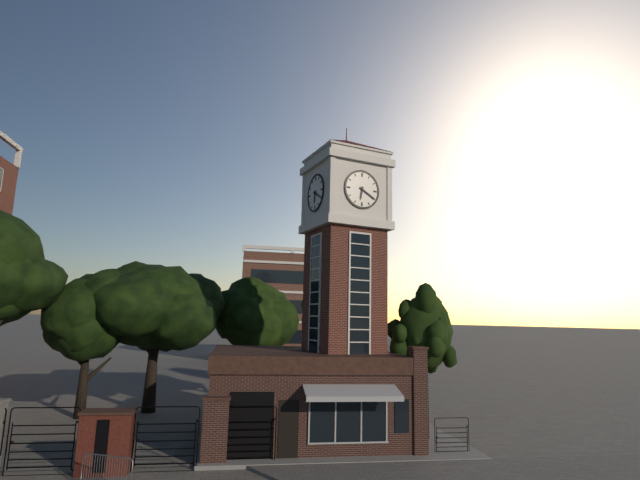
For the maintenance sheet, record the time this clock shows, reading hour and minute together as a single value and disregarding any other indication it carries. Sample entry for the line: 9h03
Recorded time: 6h20
